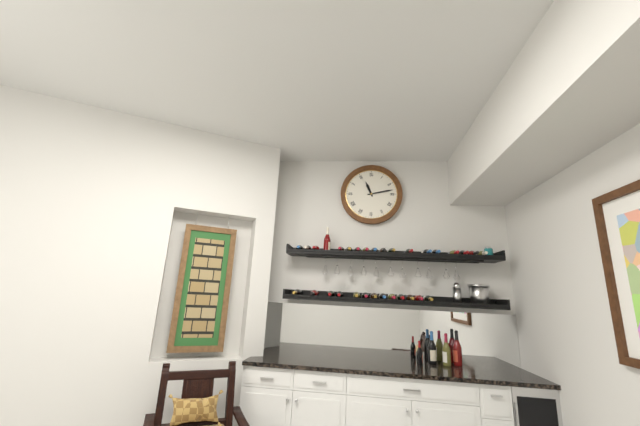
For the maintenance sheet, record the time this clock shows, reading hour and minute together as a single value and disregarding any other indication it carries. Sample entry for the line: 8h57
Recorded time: 11h13
